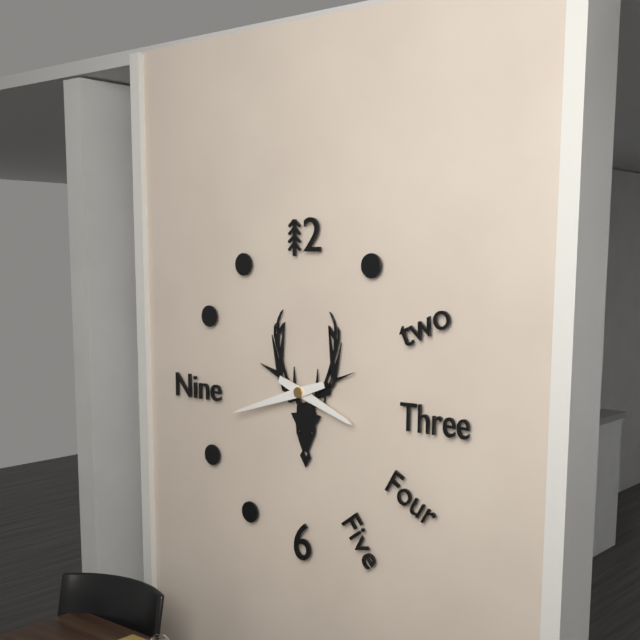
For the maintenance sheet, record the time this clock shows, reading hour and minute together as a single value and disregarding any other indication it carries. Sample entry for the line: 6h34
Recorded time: 3h42
